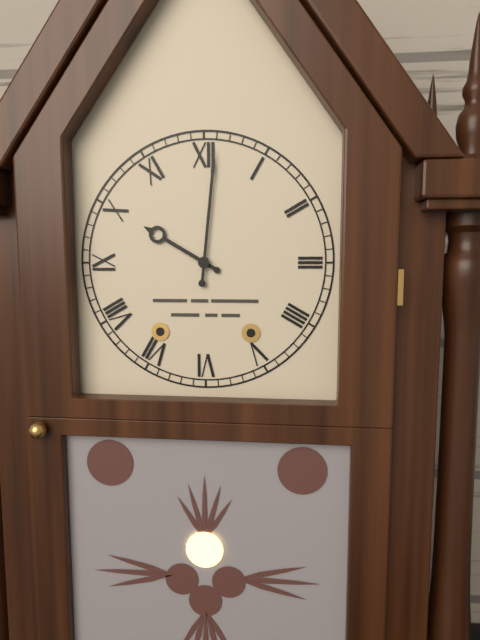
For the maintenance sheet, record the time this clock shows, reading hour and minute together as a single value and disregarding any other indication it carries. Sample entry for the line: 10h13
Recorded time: 10h01
